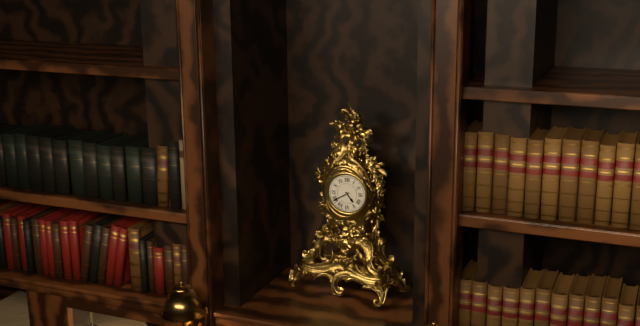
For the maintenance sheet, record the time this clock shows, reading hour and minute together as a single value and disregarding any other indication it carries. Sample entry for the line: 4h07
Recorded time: 4h40
